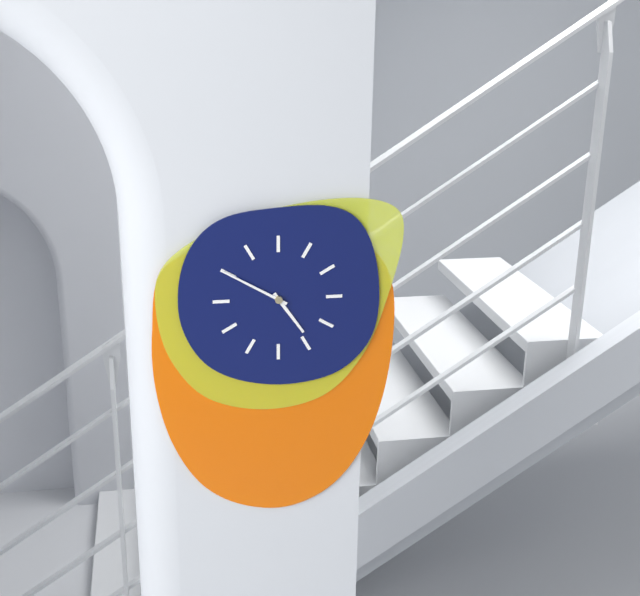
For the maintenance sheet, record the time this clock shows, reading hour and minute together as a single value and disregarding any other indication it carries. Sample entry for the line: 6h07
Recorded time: 4h50
